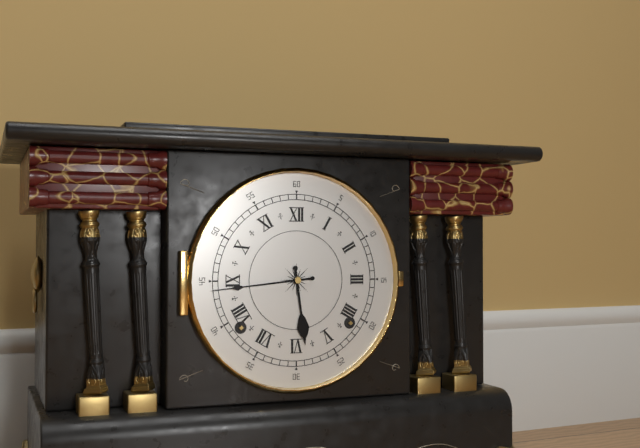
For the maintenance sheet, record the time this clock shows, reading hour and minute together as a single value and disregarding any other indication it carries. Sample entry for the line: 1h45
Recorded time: 5h44
